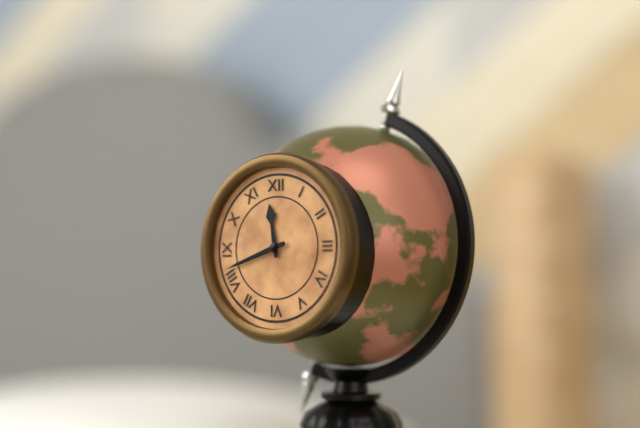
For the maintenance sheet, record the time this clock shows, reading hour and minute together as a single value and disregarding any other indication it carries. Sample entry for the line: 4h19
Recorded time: 11h42
